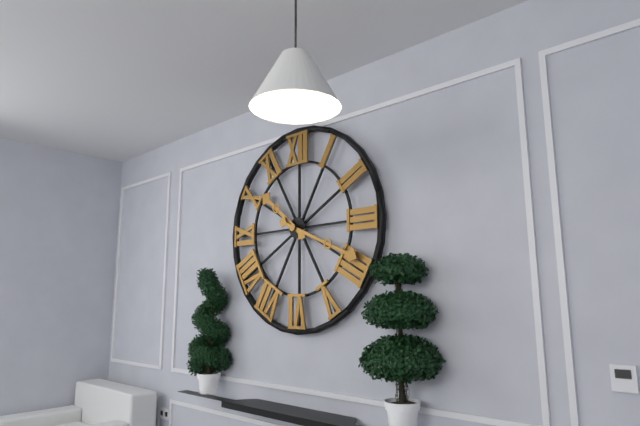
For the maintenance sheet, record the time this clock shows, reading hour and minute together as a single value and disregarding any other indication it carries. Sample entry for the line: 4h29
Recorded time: 10h19
